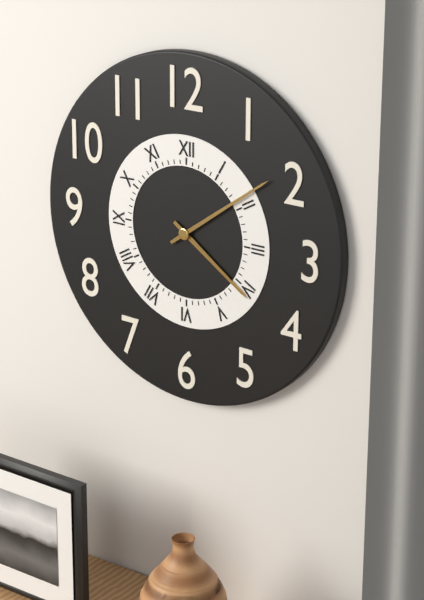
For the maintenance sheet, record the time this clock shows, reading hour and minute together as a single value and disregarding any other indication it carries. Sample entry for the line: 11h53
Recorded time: 4h09
